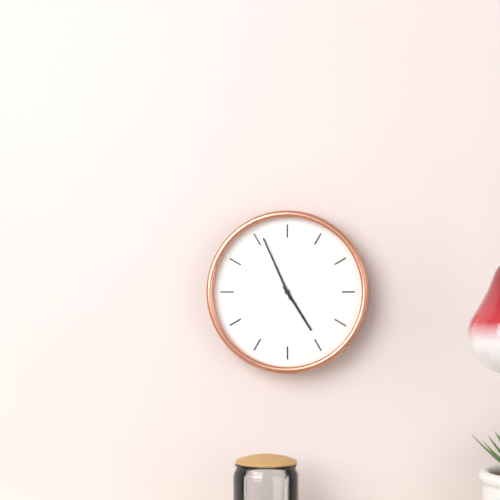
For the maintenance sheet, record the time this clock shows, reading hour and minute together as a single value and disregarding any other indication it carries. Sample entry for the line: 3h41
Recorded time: 4h56
